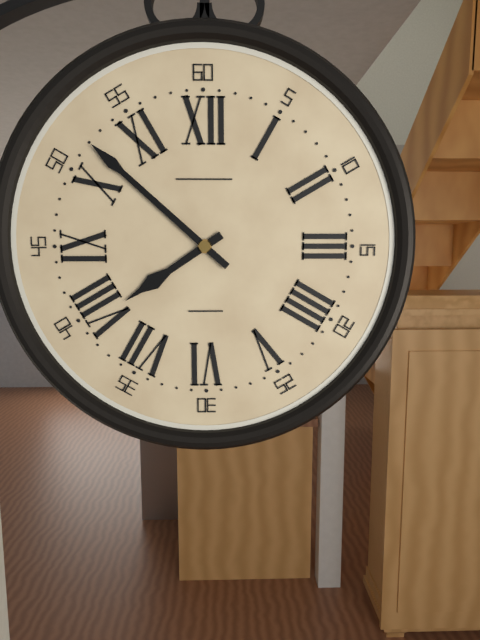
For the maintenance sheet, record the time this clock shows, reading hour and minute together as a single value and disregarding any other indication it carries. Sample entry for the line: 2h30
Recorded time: 7h52
